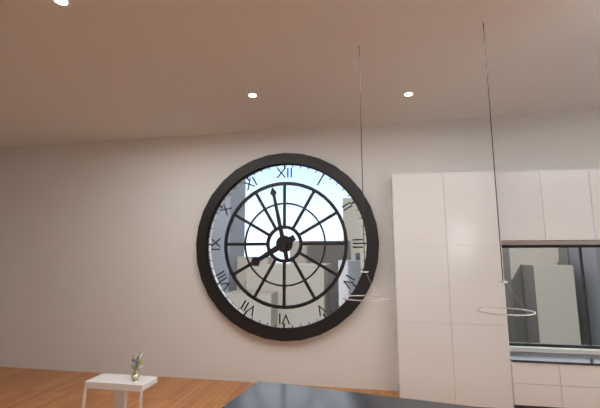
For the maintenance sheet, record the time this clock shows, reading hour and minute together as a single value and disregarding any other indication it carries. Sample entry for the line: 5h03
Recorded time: 7h58
